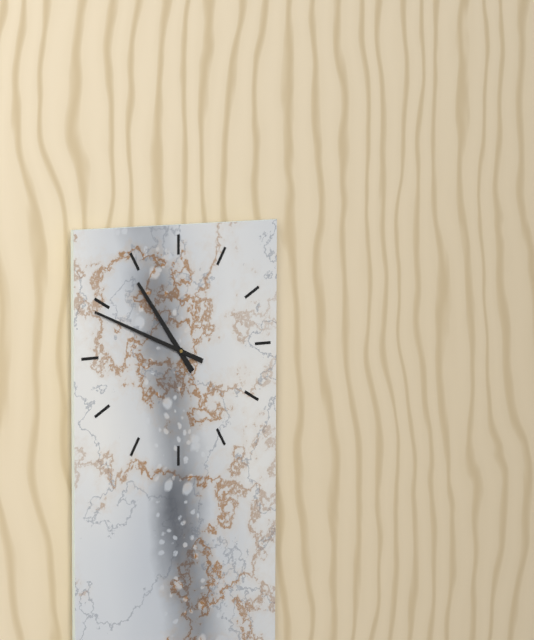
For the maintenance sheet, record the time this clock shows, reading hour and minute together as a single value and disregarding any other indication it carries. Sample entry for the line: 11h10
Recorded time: 10h49
